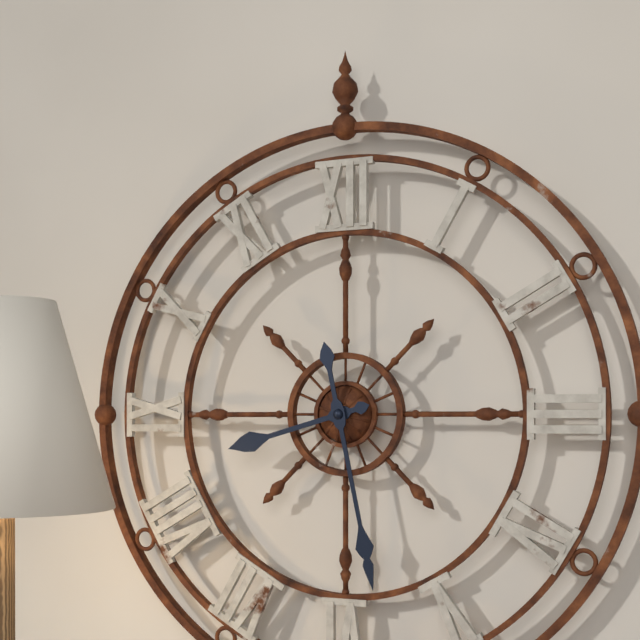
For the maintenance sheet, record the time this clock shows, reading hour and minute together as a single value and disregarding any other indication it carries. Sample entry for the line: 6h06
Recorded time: 8h28
